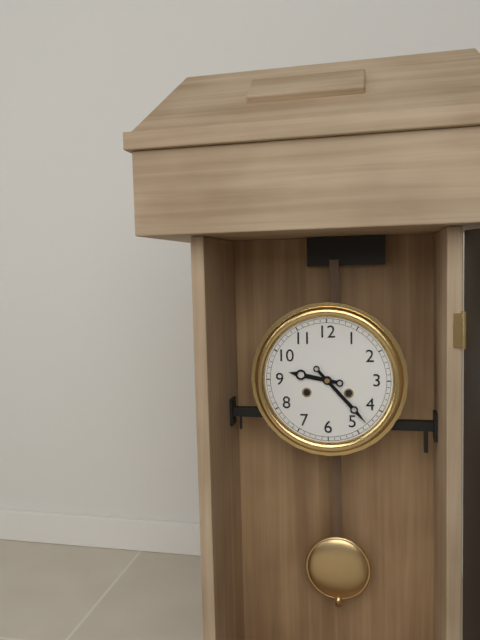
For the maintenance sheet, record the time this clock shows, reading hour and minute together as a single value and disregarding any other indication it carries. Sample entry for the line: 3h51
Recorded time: 9h23
